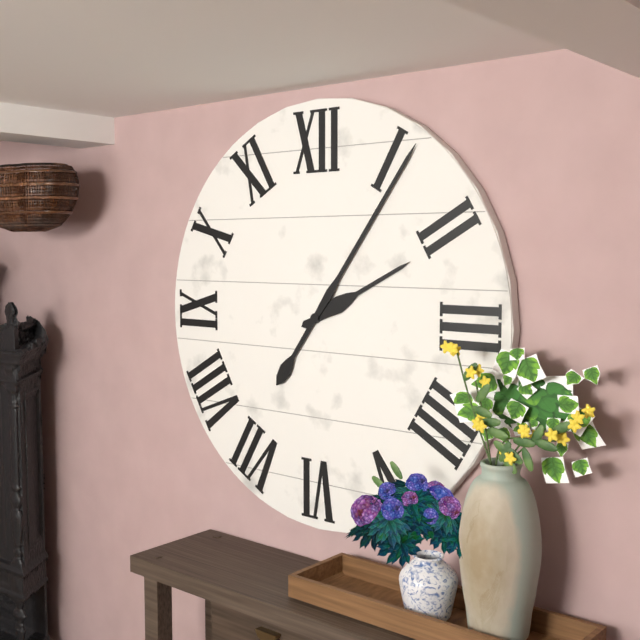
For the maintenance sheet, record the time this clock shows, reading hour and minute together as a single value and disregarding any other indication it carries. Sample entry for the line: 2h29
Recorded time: 2h06
